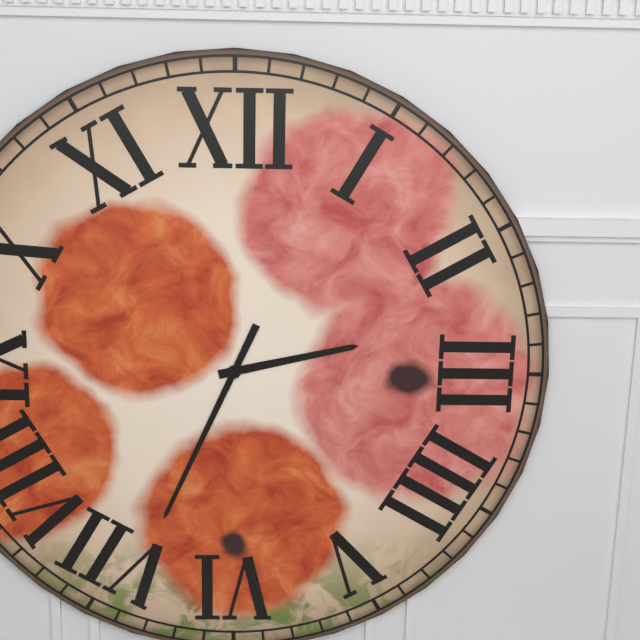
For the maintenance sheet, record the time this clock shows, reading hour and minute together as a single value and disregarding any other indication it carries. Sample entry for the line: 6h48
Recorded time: 2h34
